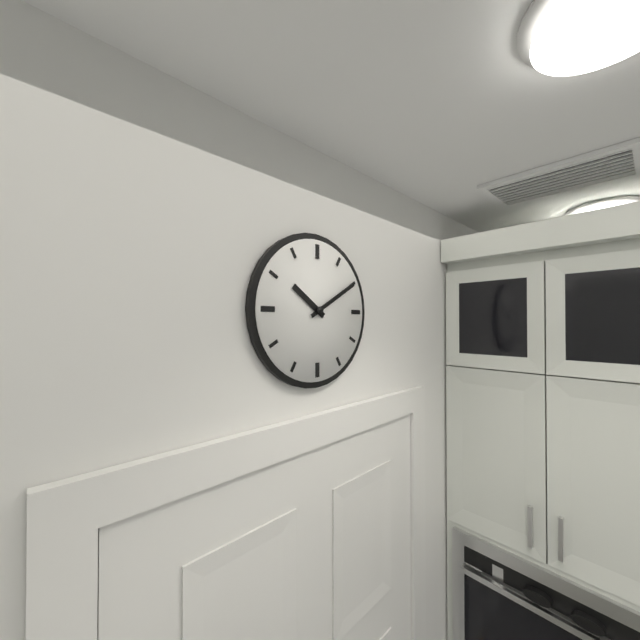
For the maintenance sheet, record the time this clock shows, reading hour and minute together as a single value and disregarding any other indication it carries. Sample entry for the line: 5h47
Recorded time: 10h10
